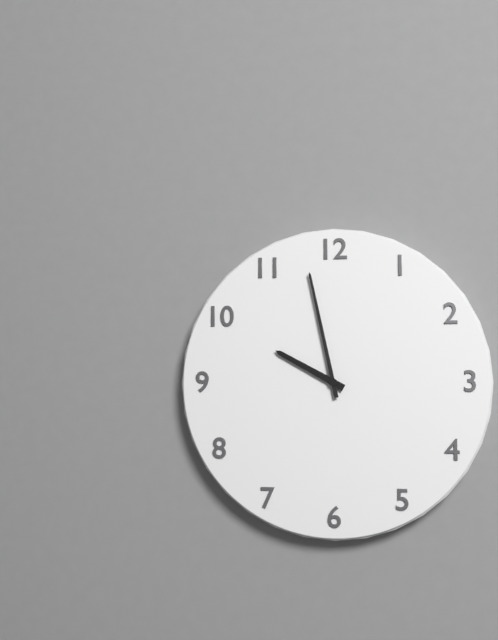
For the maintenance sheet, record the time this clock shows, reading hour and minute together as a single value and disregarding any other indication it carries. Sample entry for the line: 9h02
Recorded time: 9h58
